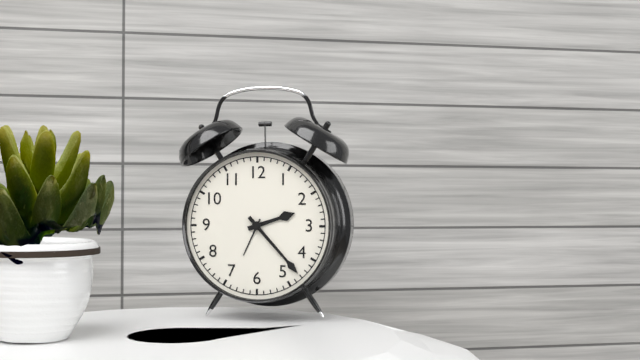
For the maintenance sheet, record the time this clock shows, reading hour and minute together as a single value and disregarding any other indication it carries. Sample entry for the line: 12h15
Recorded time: 2h23
